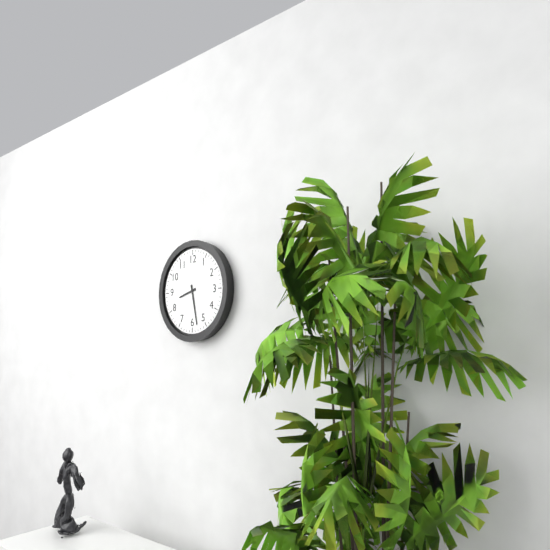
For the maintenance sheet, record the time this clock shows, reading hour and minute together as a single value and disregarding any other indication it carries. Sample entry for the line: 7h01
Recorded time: 8h28
